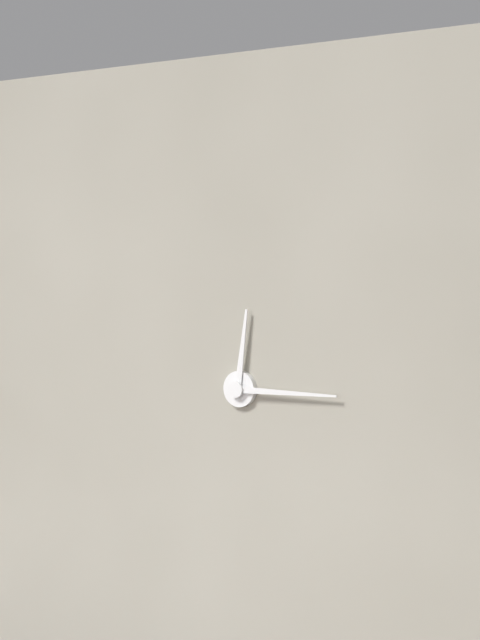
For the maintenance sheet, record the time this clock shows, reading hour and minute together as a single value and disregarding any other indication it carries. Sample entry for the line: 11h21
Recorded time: 12h15
